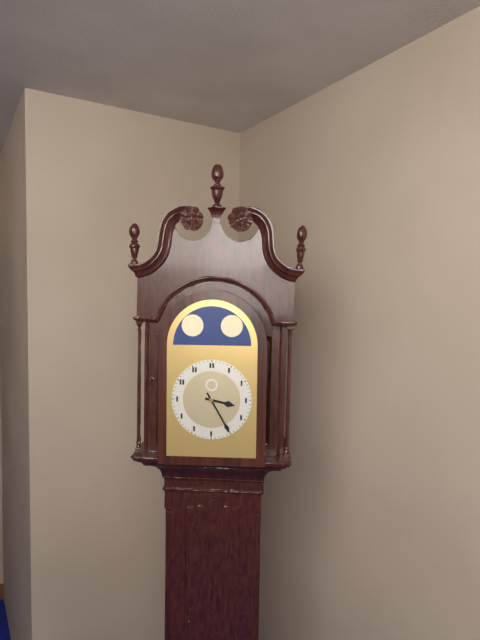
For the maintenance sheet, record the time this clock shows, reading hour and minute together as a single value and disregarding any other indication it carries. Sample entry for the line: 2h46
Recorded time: 3h25
